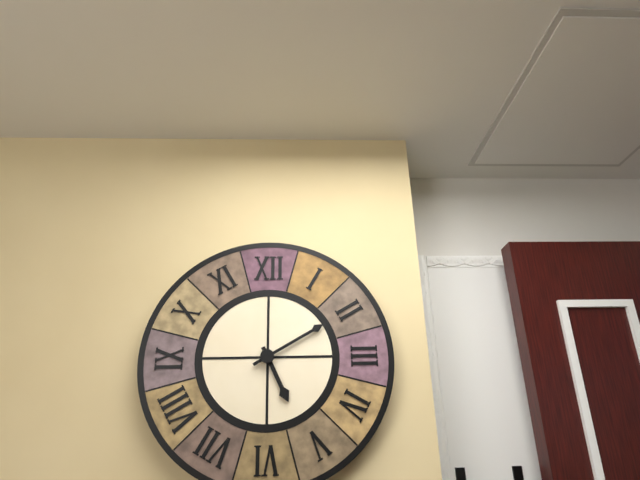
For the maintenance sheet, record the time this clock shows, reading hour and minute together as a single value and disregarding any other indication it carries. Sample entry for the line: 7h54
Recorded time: 5h10
